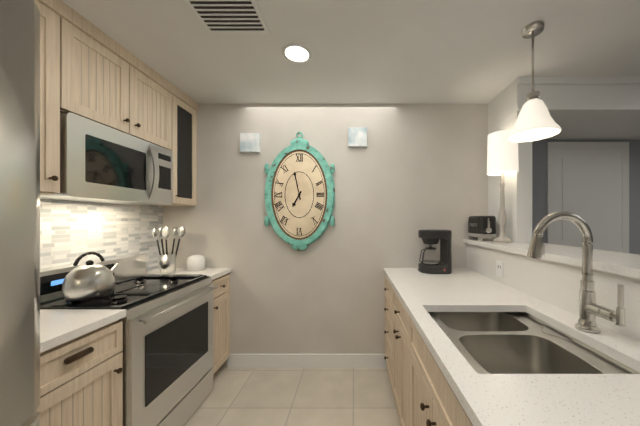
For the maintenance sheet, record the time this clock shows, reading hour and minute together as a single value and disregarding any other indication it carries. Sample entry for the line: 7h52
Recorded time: 6h58
